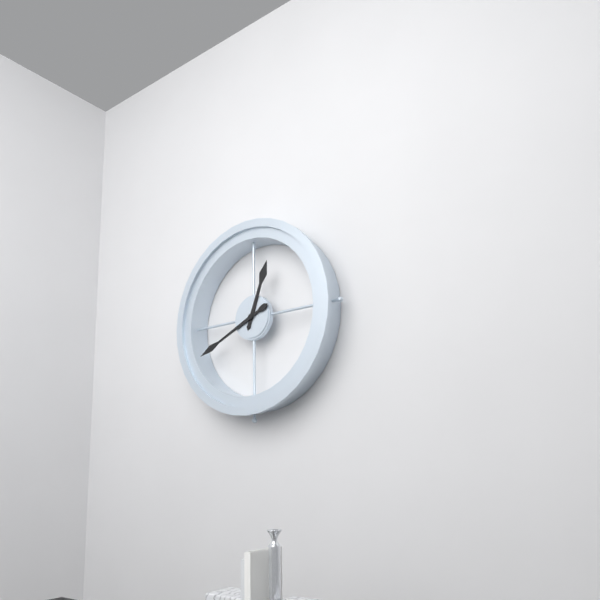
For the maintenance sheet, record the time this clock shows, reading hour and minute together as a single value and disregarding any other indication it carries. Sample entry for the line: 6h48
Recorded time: 12h41
